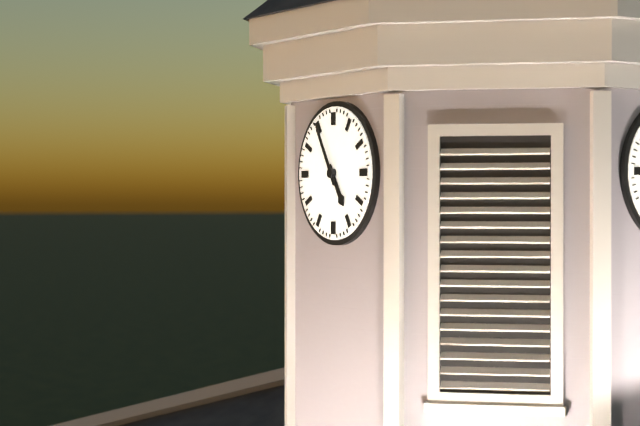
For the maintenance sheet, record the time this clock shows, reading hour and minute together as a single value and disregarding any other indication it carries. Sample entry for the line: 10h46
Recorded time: 4h55
